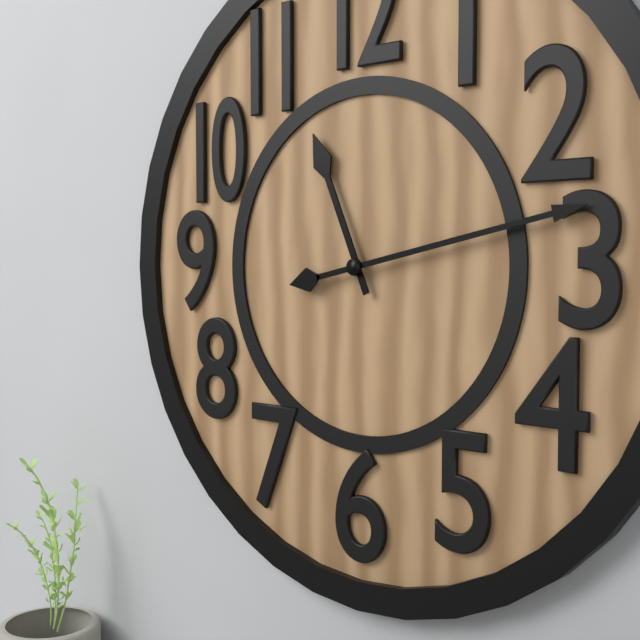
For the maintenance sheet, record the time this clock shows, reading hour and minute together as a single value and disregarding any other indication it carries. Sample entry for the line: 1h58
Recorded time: 11h13
